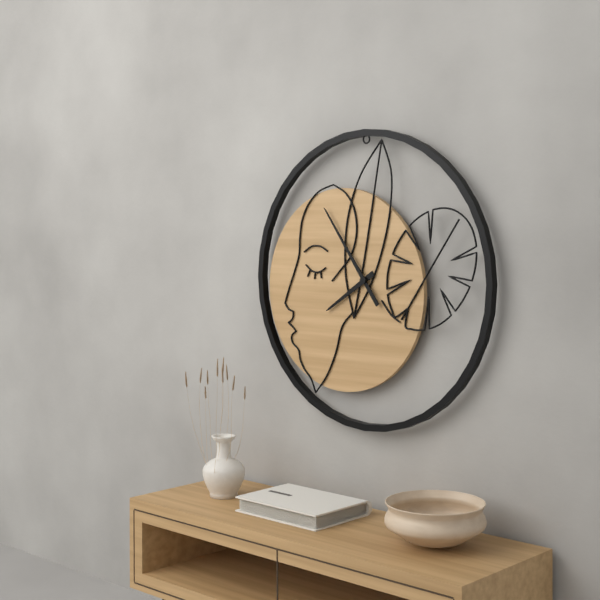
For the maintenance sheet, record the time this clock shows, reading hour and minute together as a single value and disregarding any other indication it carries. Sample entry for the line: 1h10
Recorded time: 7h54
